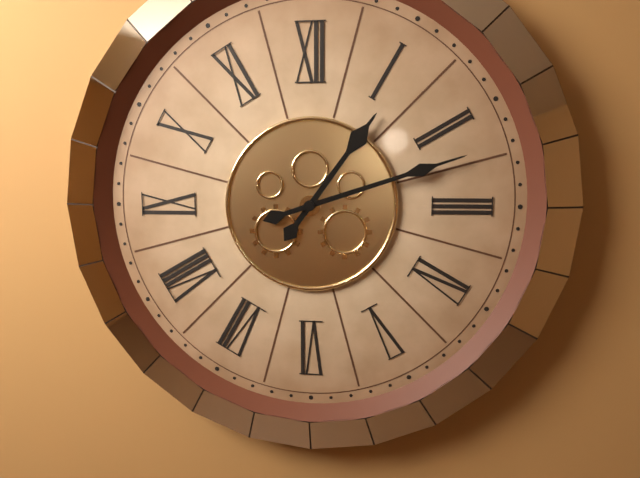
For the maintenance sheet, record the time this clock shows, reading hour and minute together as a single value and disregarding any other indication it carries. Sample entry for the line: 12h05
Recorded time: 1h12
